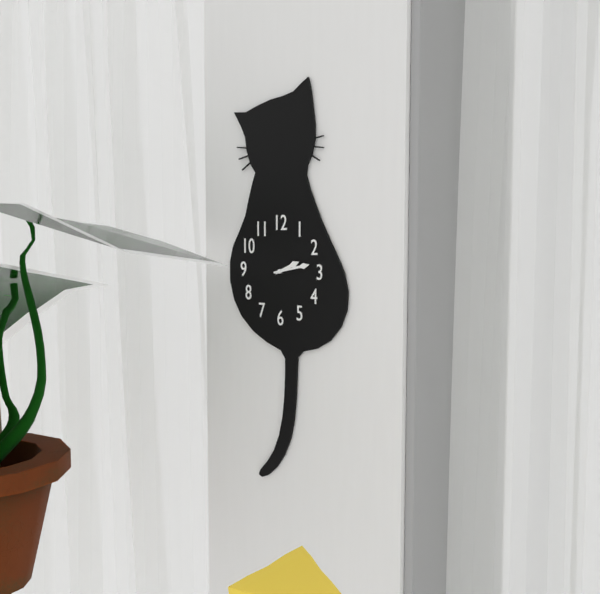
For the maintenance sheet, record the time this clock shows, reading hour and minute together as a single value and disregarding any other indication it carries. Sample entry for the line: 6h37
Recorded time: 2h13
